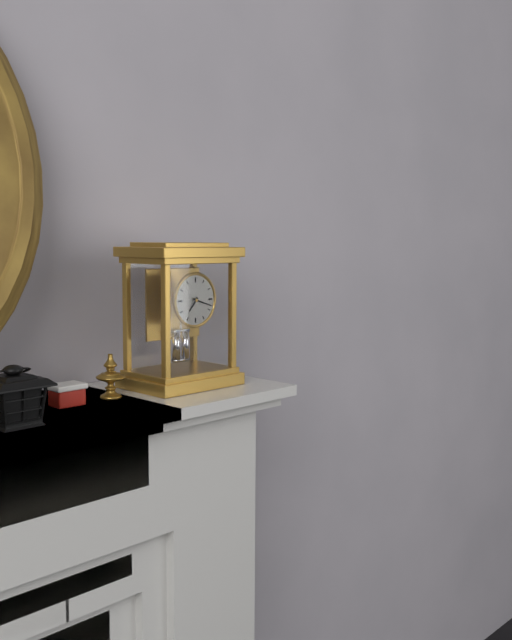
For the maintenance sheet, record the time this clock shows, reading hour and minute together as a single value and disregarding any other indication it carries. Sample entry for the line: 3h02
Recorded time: 7h18
